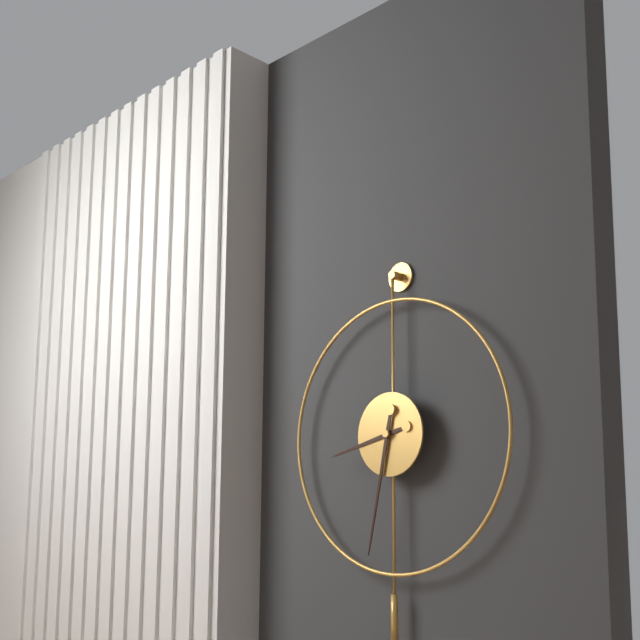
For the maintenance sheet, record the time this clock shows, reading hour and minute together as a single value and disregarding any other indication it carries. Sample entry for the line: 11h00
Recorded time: 8h32
